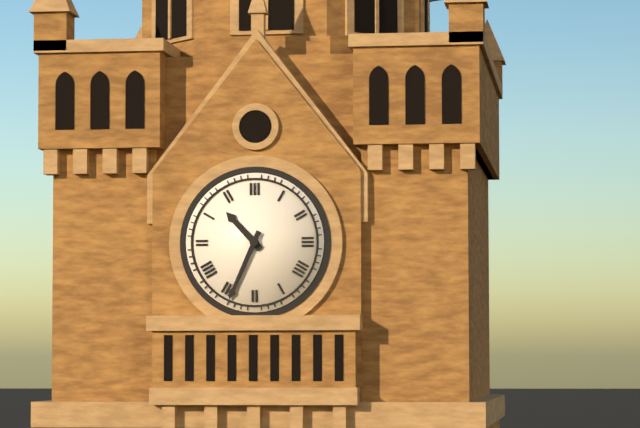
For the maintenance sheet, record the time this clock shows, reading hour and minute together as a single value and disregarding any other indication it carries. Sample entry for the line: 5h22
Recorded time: 10h34
